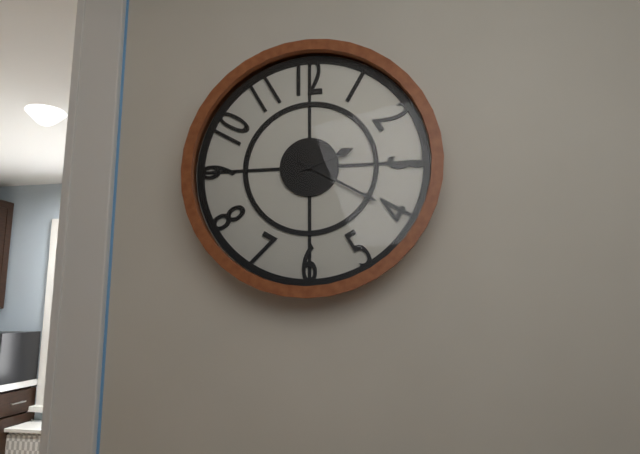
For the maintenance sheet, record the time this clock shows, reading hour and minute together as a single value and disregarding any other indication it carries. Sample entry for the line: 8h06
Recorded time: 2h20
